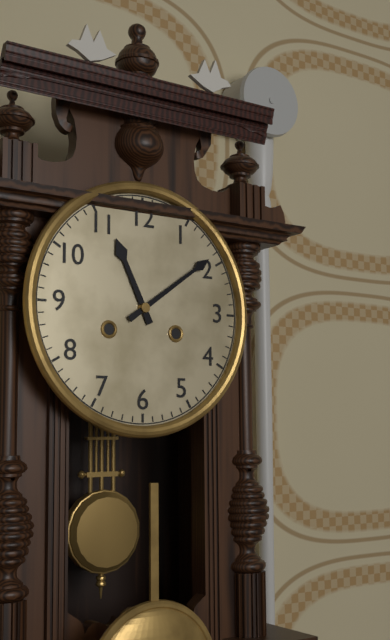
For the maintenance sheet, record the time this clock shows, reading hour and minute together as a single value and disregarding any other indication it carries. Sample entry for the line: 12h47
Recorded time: 11h09
